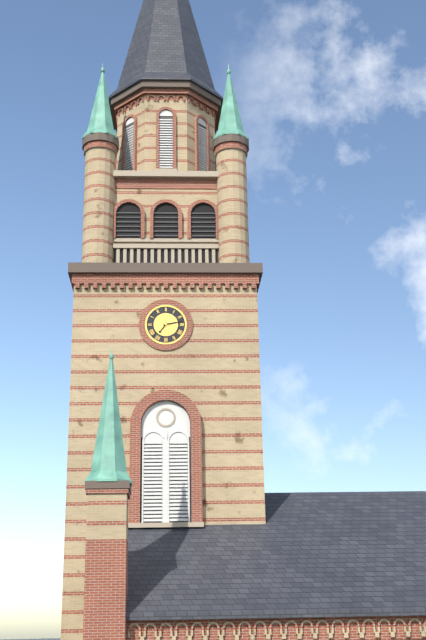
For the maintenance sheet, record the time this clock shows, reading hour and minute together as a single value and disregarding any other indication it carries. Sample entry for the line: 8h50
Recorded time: 7h13
